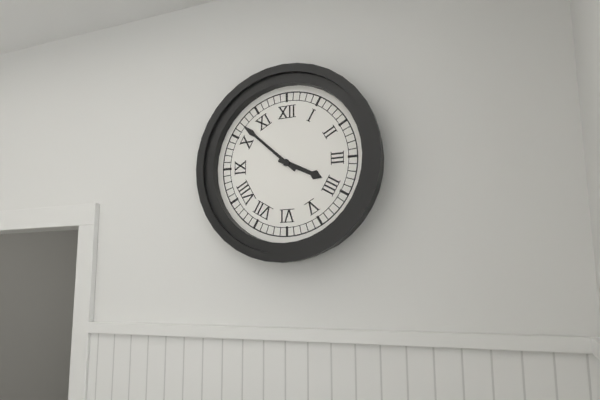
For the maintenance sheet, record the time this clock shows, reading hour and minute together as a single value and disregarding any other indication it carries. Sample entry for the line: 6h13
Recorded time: 3h52
